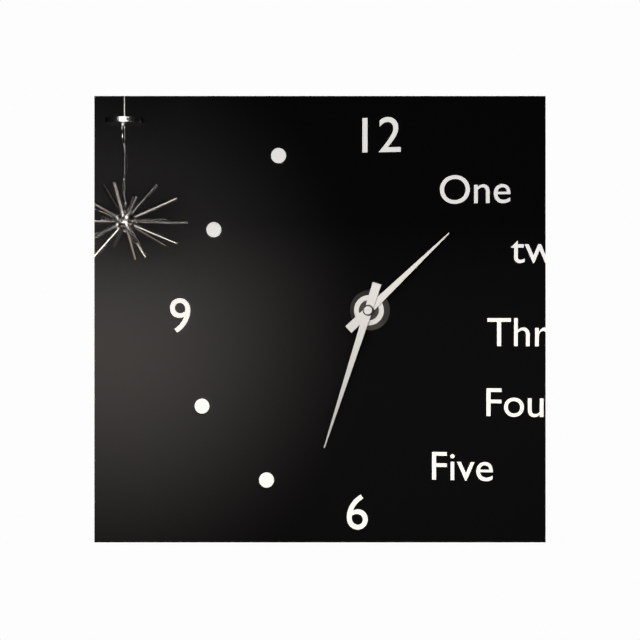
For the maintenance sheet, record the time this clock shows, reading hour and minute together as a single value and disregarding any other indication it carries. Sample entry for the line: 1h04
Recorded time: 1h33
